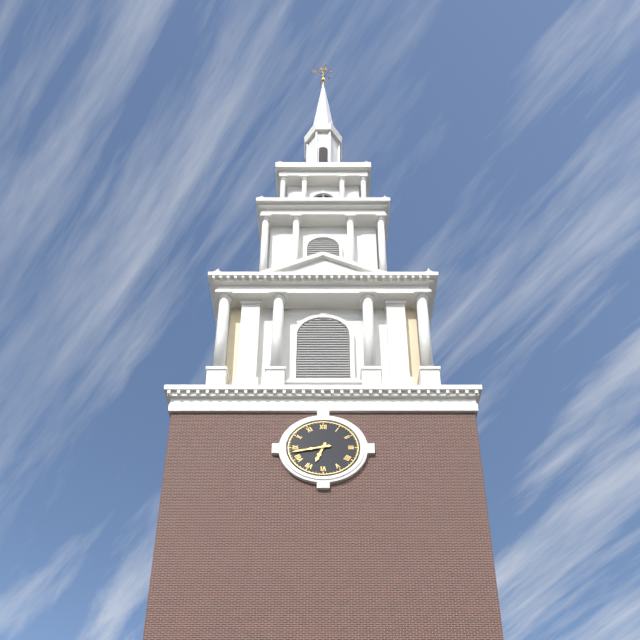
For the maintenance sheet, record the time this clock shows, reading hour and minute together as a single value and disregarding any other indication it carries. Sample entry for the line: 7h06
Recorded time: 6h43
